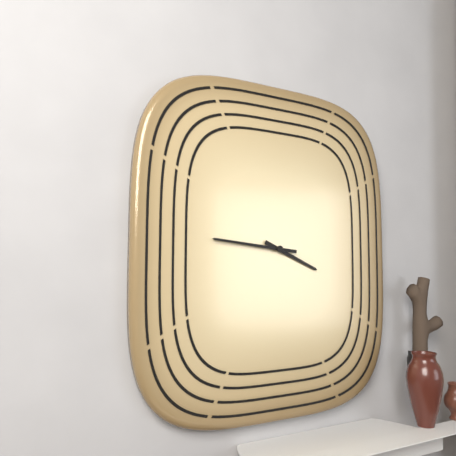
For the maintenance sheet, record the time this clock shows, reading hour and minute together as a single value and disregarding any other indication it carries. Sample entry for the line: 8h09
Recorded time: 3h46
